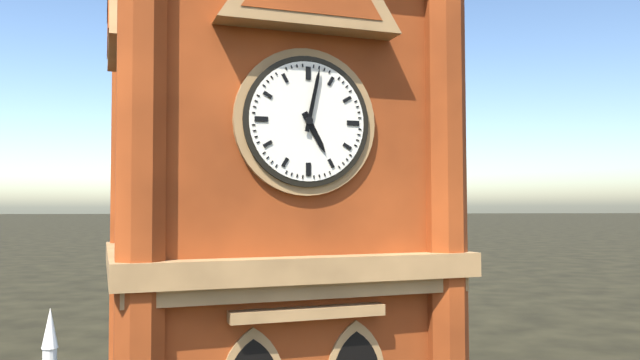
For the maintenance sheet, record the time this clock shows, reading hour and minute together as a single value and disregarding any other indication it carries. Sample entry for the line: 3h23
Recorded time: 5h02
